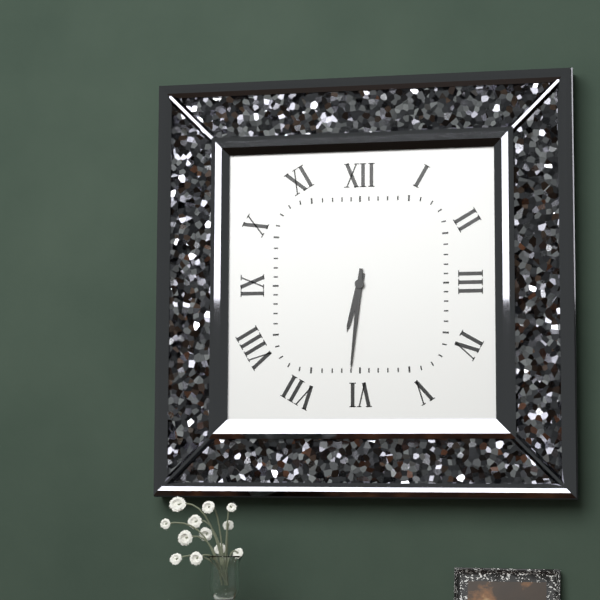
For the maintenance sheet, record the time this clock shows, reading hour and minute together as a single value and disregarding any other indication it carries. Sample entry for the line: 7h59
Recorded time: 6h31
